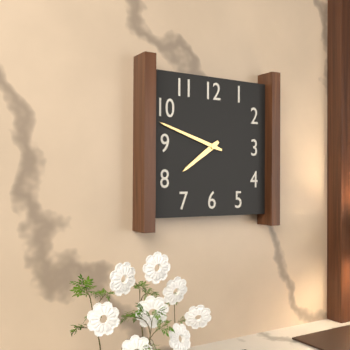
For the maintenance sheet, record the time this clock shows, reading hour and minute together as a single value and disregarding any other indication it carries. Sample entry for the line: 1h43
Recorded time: 7h48
